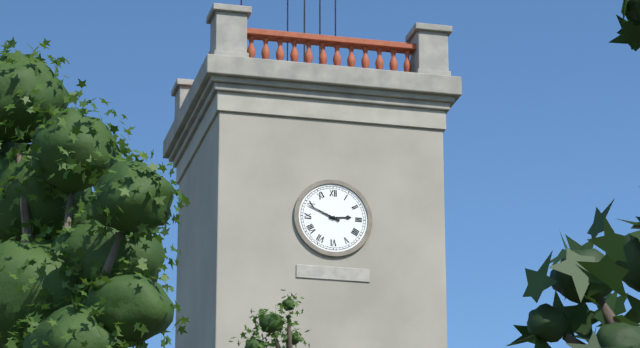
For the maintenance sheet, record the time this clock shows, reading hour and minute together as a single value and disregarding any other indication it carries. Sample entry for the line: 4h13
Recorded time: 2h49
